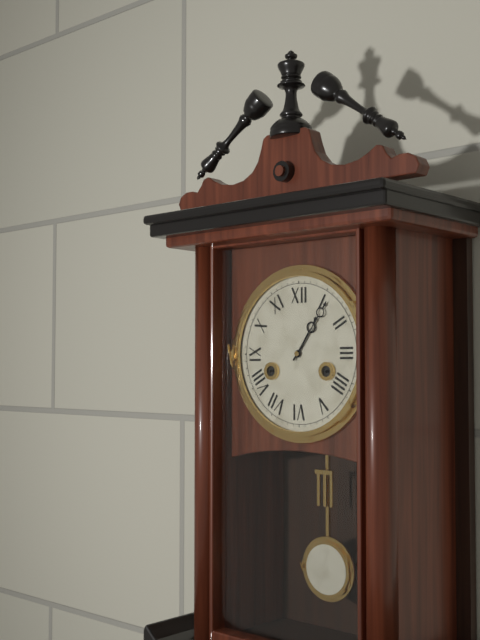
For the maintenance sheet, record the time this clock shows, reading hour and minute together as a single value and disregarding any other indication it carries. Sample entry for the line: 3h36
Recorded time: 1h06
